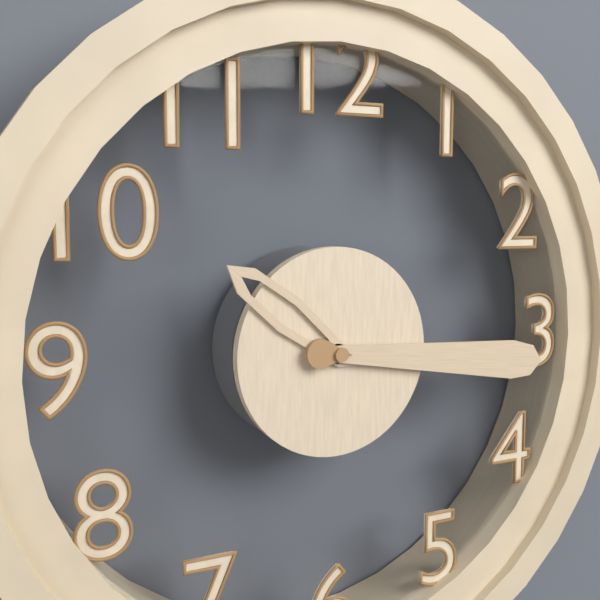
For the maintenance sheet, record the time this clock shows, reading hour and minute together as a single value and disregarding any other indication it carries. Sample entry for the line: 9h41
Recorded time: 10h16
